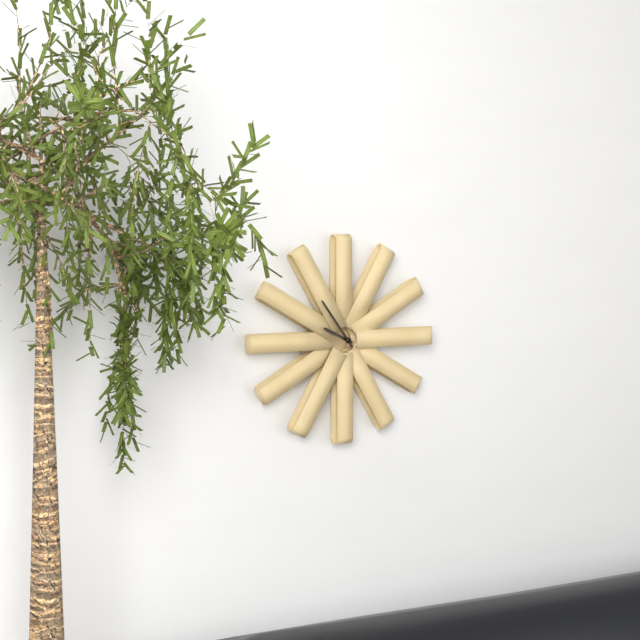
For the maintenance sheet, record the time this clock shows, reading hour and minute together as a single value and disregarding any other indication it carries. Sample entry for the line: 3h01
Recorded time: 9h54
